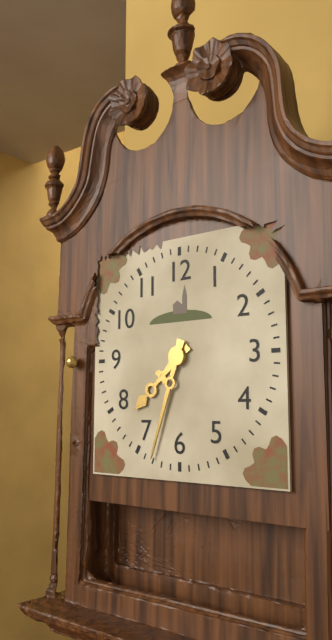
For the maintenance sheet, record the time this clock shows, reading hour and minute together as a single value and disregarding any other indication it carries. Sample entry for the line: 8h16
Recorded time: 7h33
